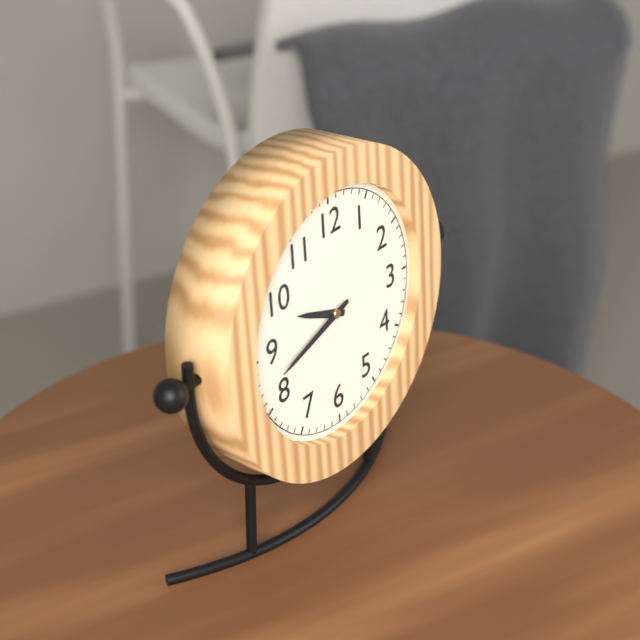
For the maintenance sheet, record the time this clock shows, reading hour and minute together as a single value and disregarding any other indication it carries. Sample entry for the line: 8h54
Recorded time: 9h42
